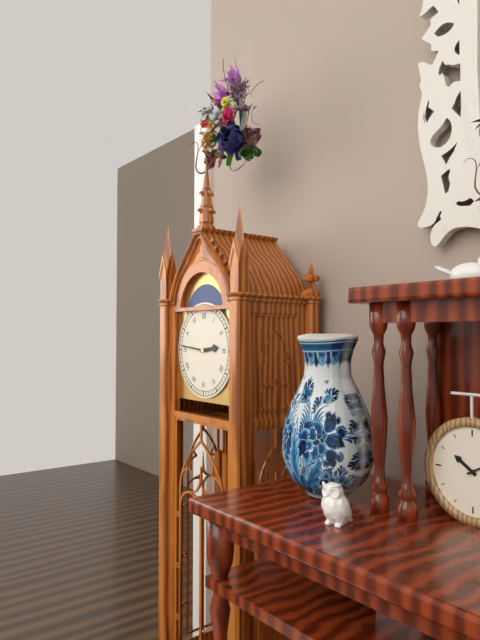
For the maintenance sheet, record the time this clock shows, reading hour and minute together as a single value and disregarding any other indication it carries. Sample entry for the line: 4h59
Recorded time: 2h46
